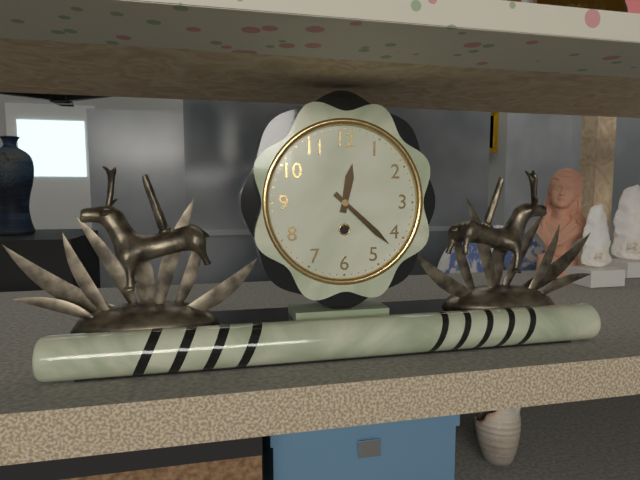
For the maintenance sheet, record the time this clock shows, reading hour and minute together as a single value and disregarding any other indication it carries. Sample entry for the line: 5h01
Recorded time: 12h22
